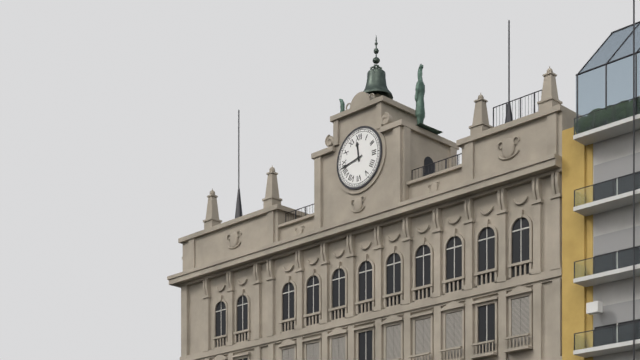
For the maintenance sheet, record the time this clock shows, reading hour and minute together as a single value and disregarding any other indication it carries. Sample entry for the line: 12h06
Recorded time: 11h43
